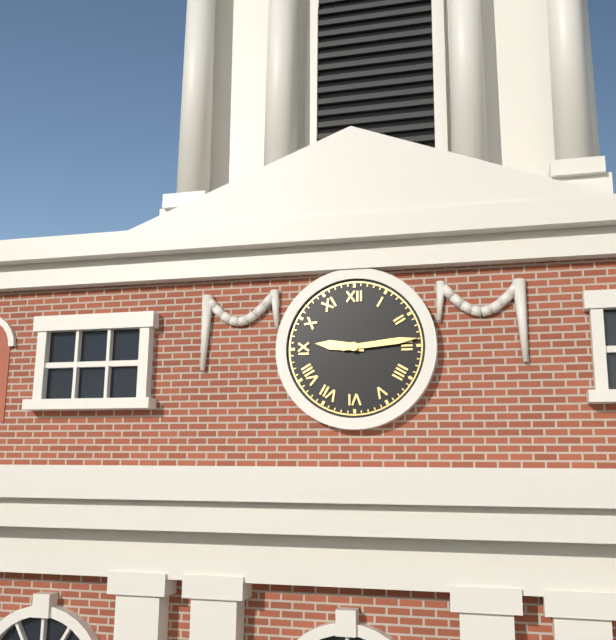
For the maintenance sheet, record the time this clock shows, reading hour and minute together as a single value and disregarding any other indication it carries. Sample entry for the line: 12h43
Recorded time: 9h14
